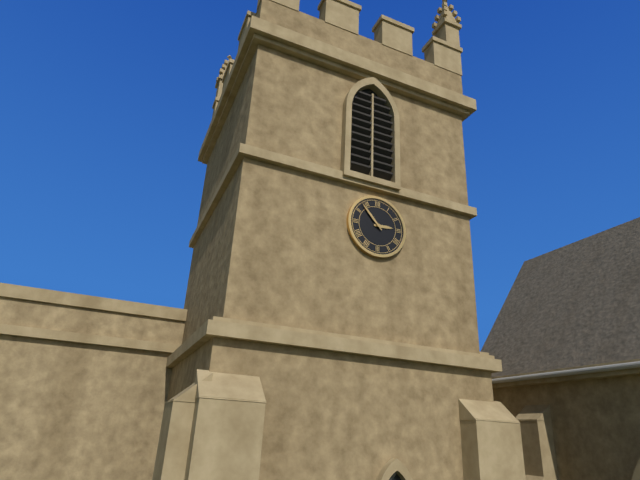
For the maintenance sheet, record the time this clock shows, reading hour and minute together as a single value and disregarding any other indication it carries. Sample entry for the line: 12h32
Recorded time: 2h53
